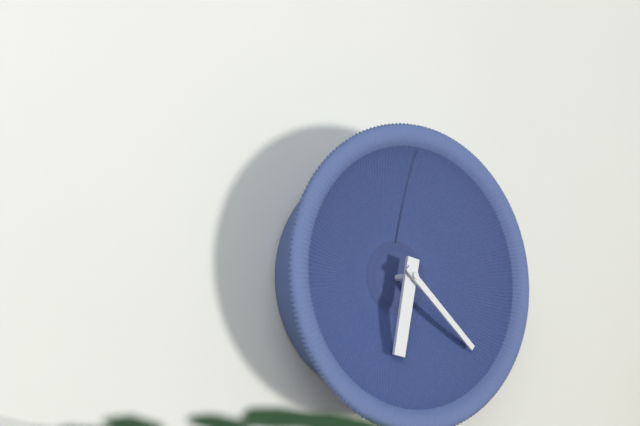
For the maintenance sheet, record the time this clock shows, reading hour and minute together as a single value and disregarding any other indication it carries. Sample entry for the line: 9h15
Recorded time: 6h22
